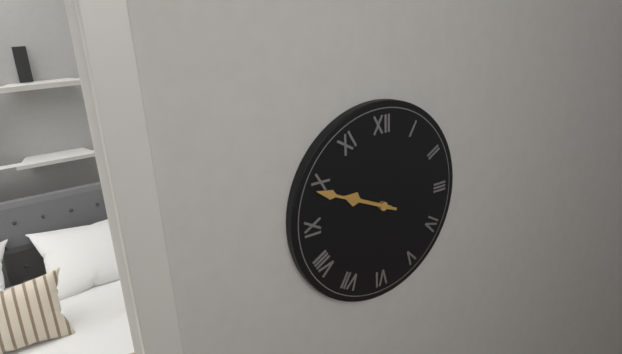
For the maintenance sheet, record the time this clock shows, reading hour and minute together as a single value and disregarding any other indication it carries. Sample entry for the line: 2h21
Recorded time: 9h49
